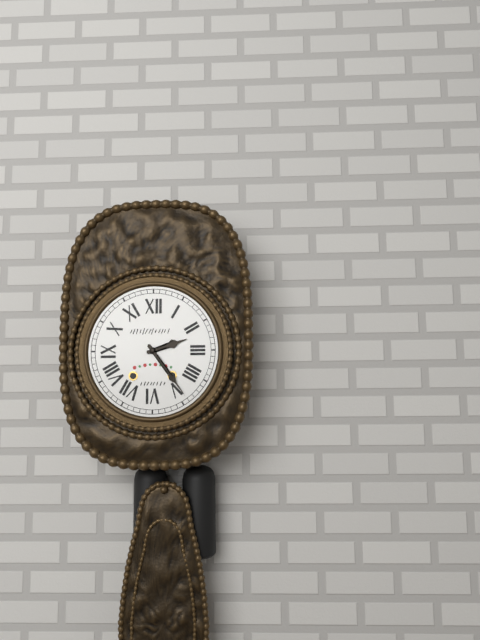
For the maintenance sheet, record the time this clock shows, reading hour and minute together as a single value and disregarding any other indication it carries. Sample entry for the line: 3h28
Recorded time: 2h24
